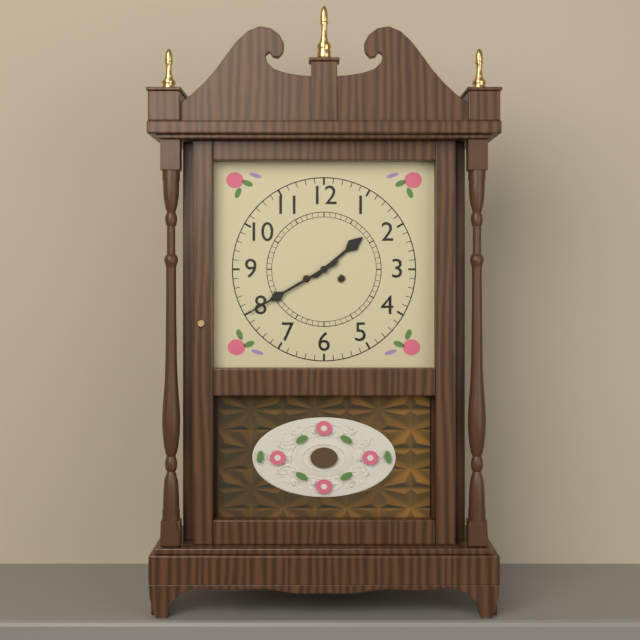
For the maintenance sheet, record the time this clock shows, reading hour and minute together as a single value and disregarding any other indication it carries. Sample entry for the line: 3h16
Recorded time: 1h40
